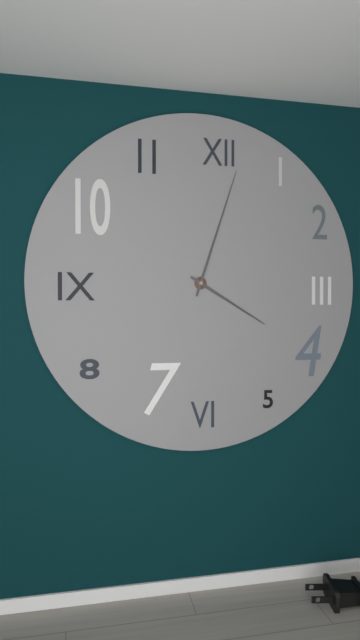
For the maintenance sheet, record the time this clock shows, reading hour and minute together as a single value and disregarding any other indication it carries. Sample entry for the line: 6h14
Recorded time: 4h03
